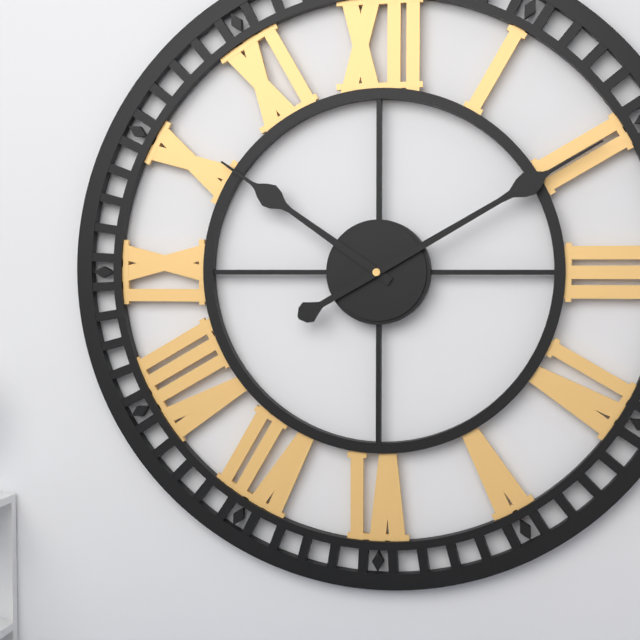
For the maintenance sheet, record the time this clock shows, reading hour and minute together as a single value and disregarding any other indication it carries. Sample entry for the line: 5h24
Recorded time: 10h10
